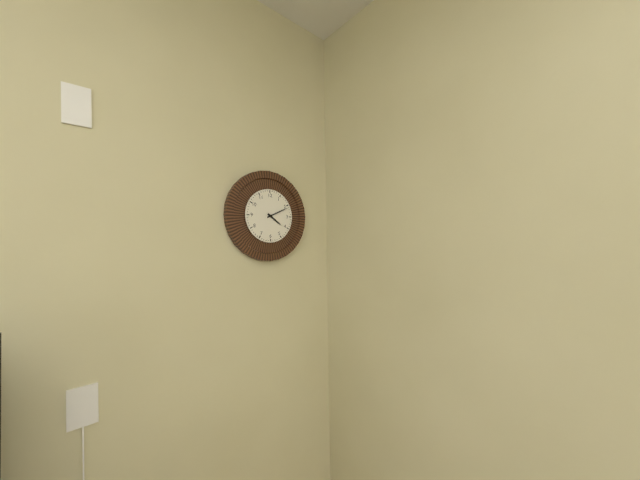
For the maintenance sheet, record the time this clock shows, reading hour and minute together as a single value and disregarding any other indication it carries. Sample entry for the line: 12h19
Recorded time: 4h11
